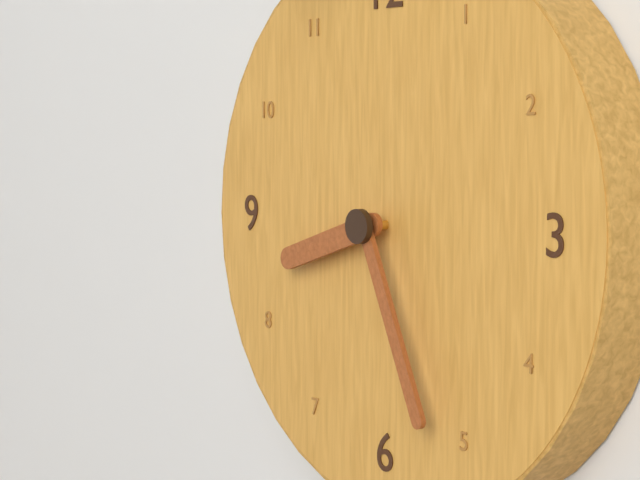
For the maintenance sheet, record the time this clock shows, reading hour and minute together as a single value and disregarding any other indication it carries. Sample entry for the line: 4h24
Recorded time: 8h26
